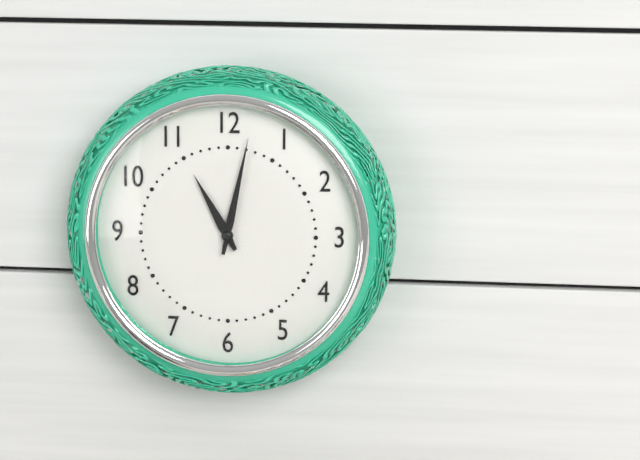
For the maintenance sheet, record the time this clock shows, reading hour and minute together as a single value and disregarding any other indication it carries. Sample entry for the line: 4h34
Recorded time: 11h02
